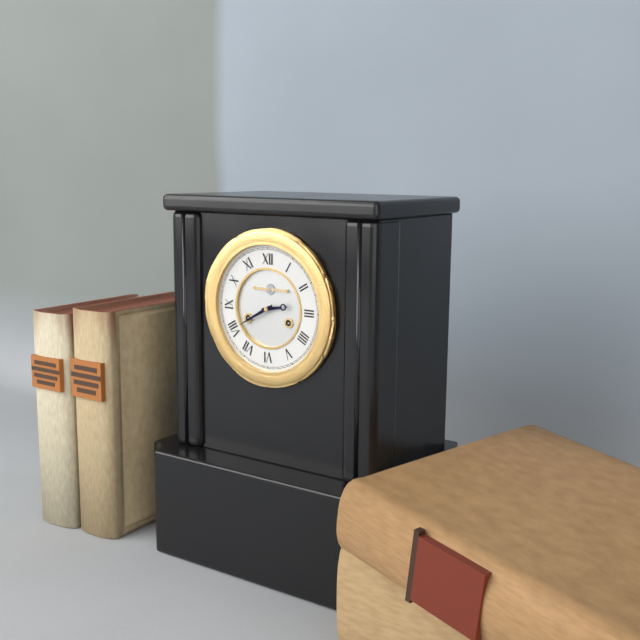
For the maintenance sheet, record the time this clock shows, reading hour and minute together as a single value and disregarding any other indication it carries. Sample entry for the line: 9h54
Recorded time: 2h40
